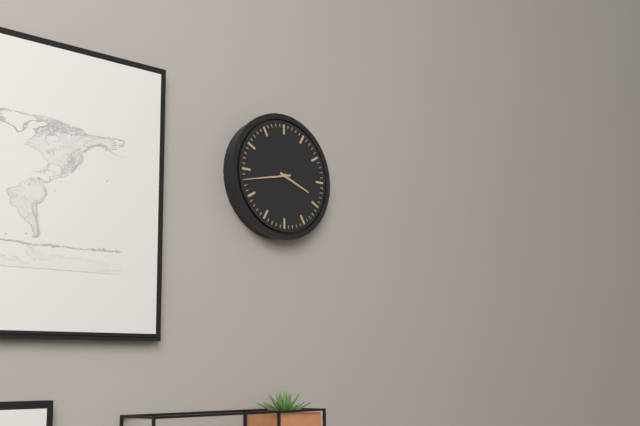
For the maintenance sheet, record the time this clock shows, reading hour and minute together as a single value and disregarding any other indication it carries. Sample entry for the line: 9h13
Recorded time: 3h43
